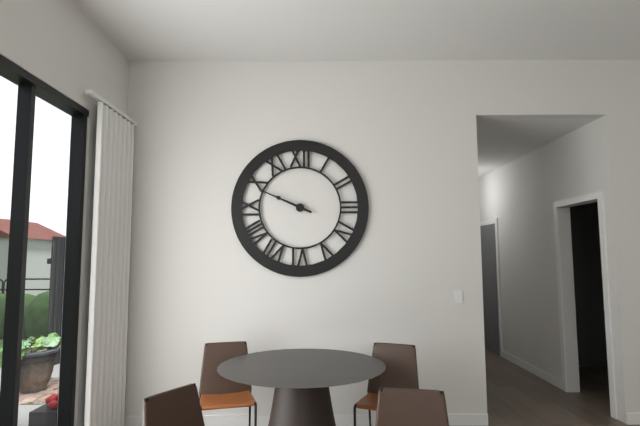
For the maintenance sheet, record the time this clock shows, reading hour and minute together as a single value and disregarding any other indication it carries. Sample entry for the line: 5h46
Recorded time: 9h49
